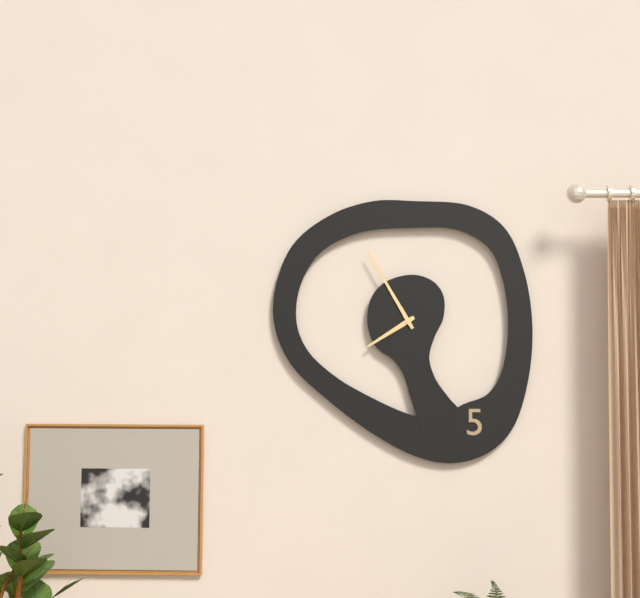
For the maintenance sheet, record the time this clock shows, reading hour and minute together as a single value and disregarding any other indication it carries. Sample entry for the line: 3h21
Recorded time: 7h55
